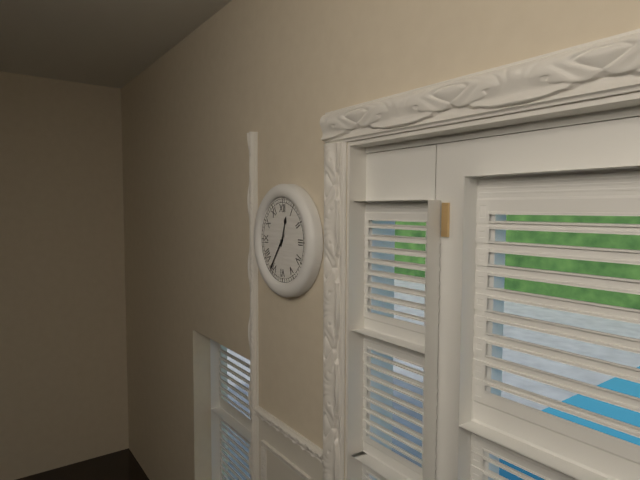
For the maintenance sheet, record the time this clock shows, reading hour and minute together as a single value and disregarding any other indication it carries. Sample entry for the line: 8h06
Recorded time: 12h36
